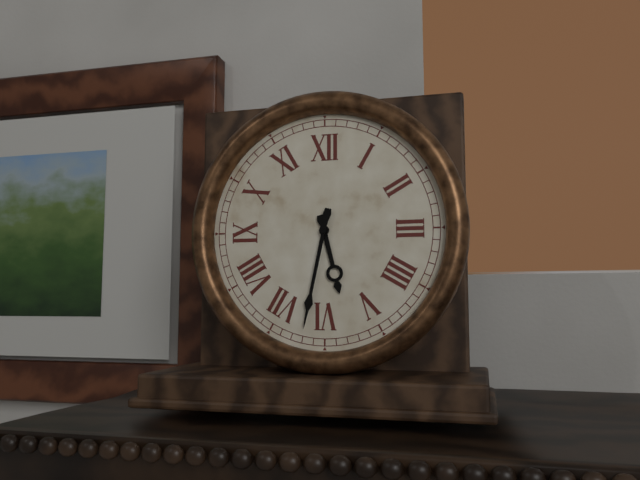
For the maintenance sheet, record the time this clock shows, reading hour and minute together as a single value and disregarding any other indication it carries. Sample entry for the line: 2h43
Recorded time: 5h32
